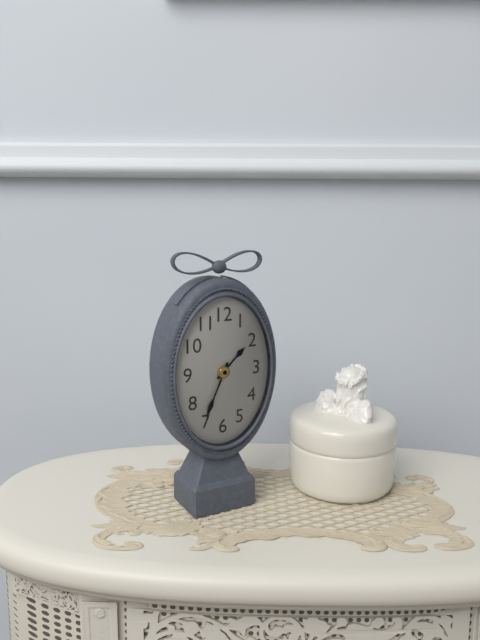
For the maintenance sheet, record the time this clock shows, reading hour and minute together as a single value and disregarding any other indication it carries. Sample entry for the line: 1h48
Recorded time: 1h34
